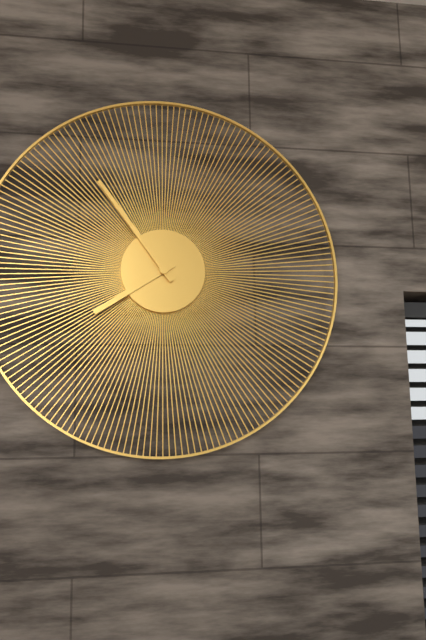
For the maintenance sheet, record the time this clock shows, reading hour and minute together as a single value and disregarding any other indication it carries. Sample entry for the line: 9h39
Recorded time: 7h54
